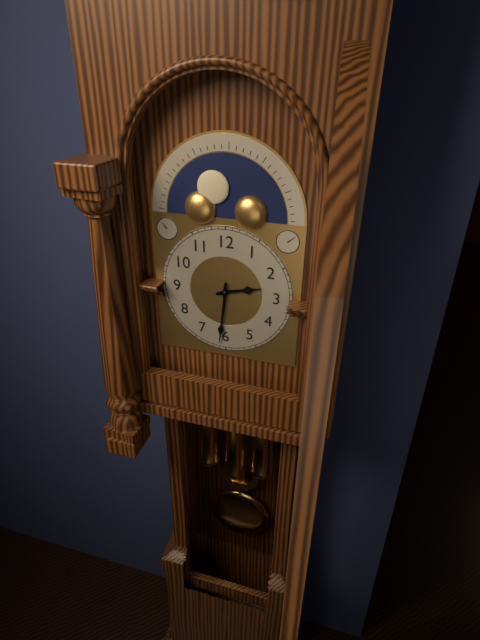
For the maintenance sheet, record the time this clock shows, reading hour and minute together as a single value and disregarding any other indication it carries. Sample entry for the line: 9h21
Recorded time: 2h31
